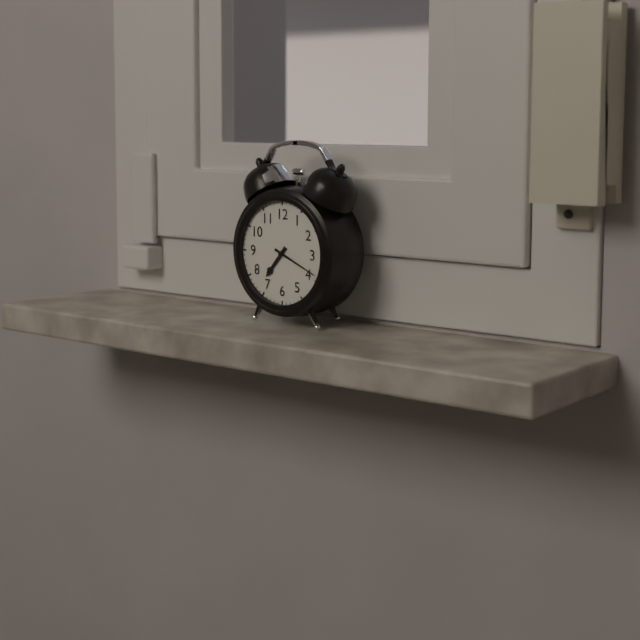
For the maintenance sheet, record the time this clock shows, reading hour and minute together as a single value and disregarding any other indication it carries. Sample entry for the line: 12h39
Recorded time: 7h19
